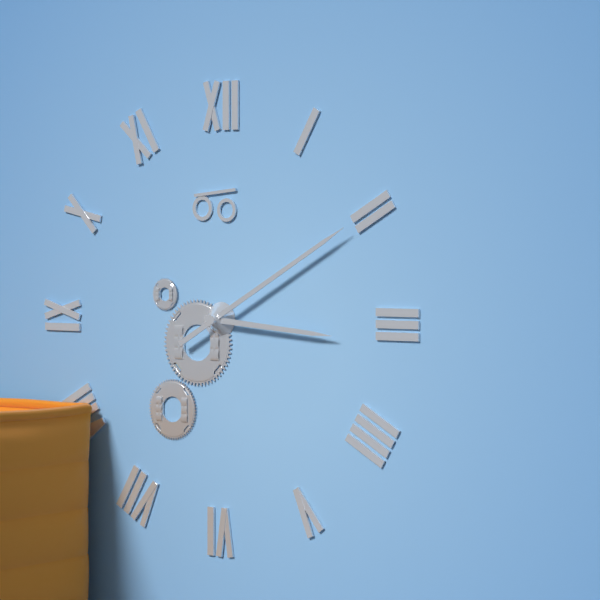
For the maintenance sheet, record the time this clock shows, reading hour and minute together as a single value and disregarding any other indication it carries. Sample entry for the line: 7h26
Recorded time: 3h10
